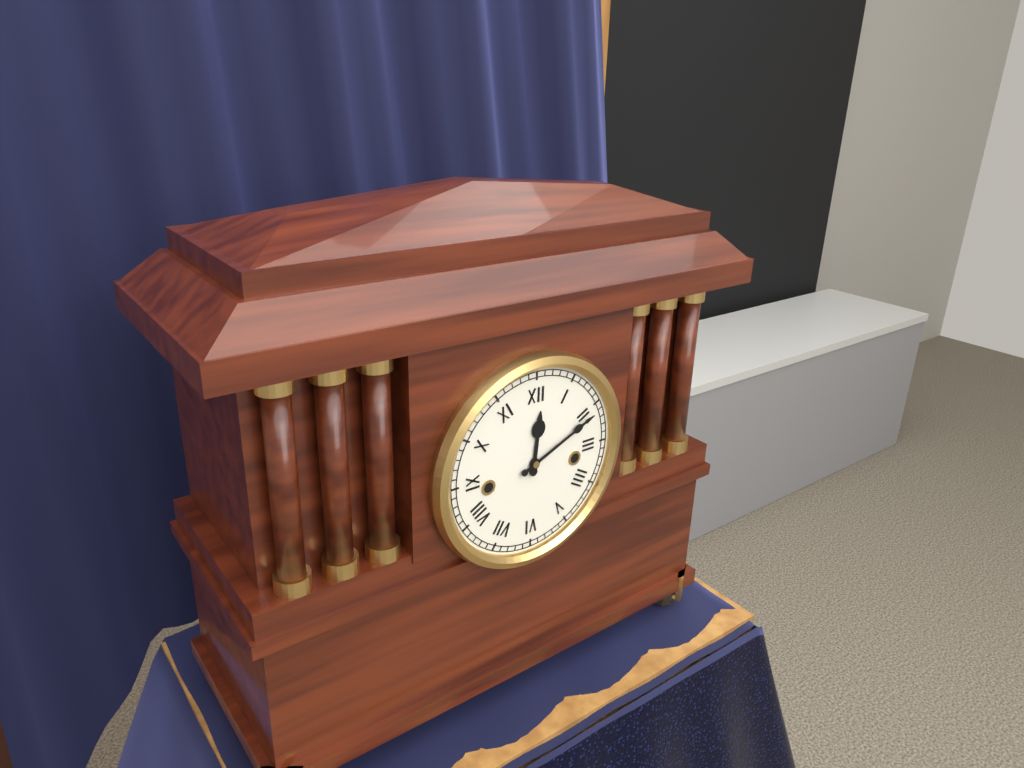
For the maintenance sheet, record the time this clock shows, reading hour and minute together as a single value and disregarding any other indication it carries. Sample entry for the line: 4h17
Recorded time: 12h11
